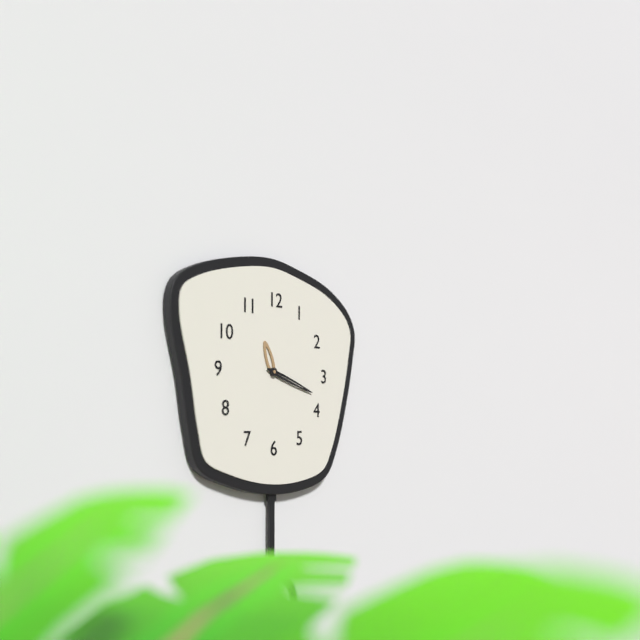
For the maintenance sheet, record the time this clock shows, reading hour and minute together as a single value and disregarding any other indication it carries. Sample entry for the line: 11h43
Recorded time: 11h18
